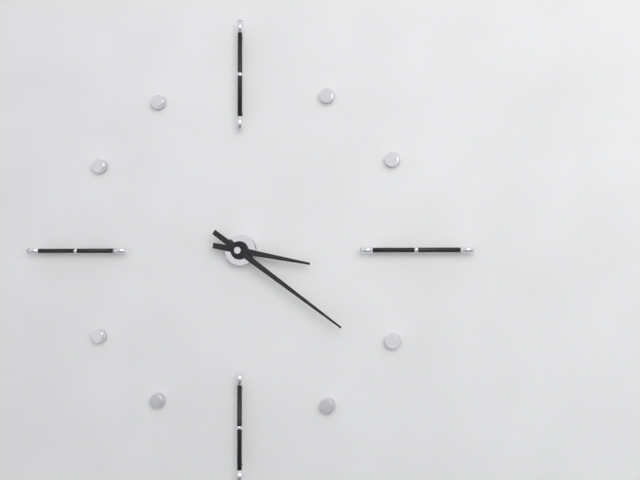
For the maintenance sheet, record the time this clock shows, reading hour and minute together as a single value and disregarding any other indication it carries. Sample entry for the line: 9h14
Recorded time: 3h21
